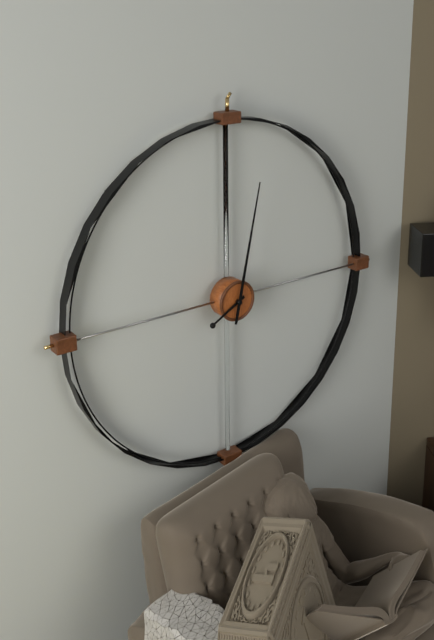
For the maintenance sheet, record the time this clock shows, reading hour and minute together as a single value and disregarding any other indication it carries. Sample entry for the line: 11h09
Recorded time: 8h02
